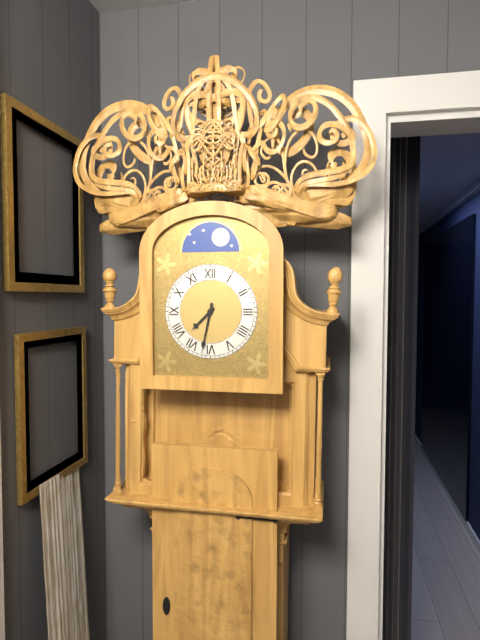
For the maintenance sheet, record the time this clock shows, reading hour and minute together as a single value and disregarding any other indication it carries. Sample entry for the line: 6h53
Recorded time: 7h32
